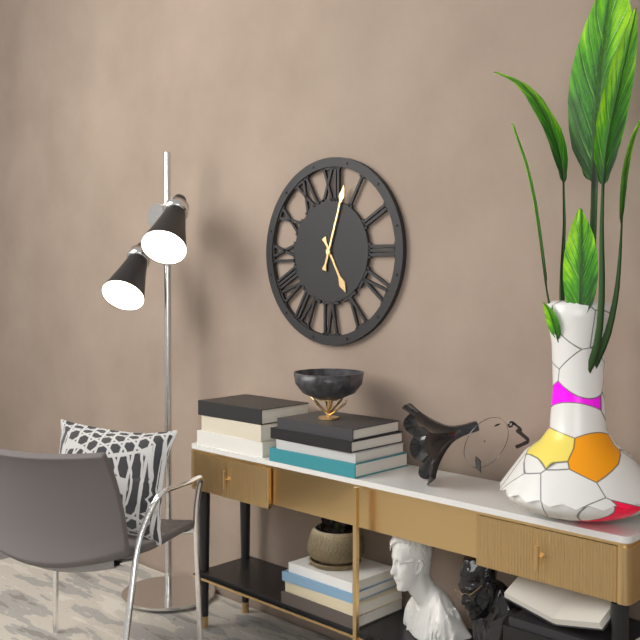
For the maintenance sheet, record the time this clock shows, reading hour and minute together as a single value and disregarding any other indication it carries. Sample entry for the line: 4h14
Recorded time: 5h03
